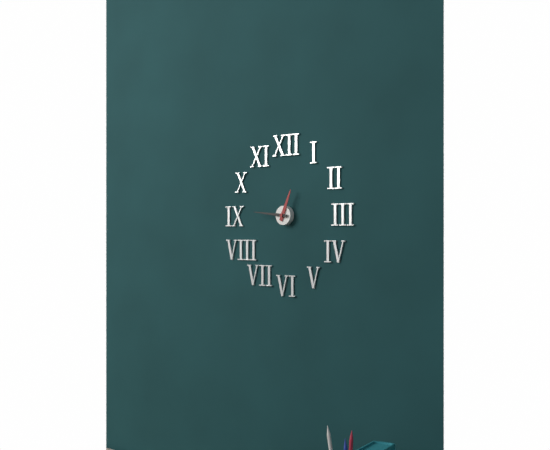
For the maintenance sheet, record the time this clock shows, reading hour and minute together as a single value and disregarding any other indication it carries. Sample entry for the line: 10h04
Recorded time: 12h46
